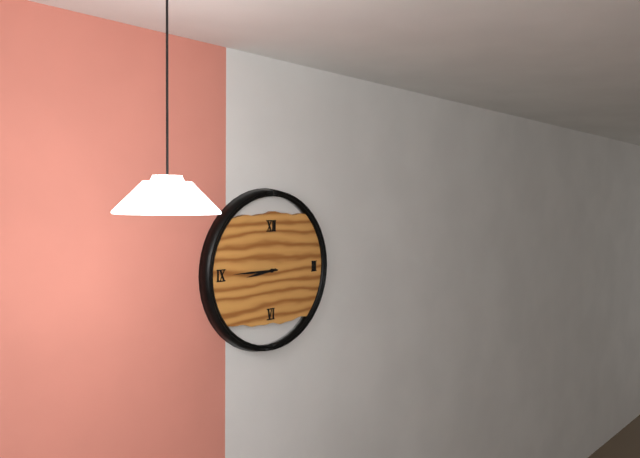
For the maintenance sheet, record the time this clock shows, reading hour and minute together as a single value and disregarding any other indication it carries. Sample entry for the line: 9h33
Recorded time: 8h45
